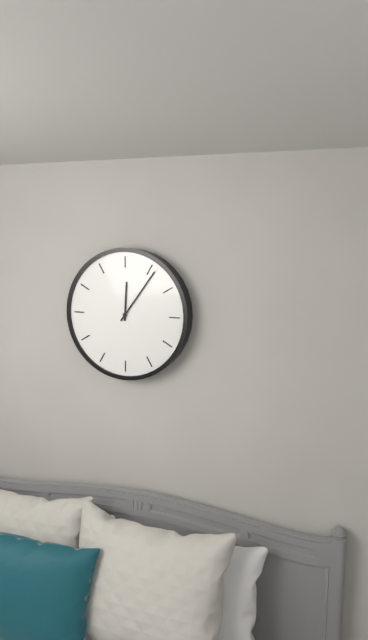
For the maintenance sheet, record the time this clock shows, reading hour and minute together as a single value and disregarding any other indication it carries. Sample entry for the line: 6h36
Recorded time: 12h06
